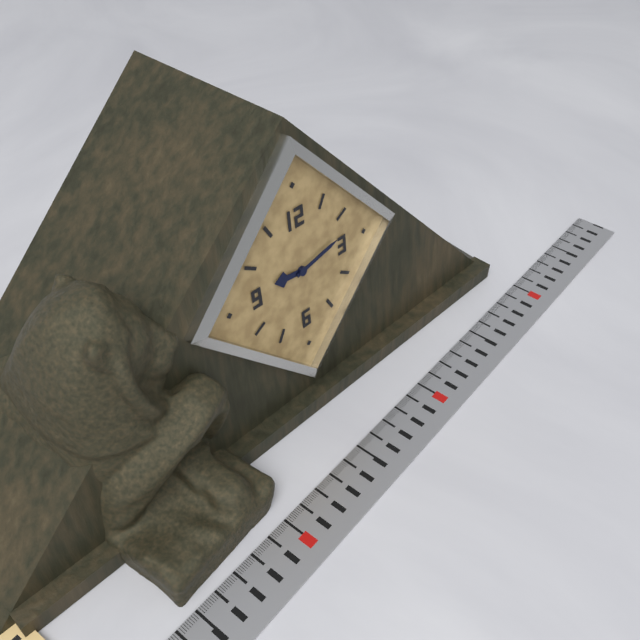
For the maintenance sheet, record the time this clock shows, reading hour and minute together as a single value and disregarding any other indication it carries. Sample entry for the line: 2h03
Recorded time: 9h13
